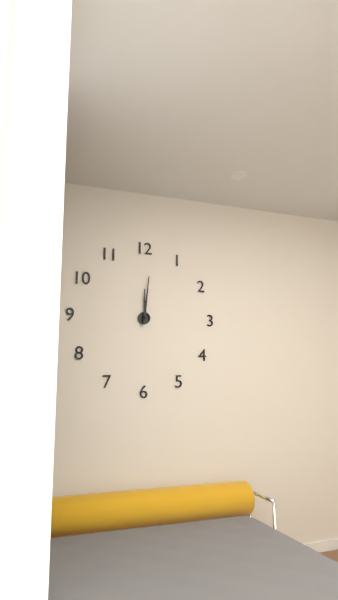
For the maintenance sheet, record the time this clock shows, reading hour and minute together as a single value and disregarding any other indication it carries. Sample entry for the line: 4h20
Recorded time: 12h01
